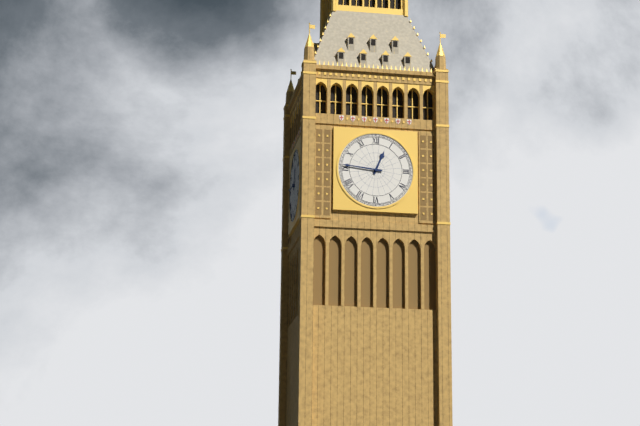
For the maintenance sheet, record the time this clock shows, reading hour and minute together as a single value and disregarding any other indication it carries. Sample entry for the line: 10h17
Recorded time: 12h46
